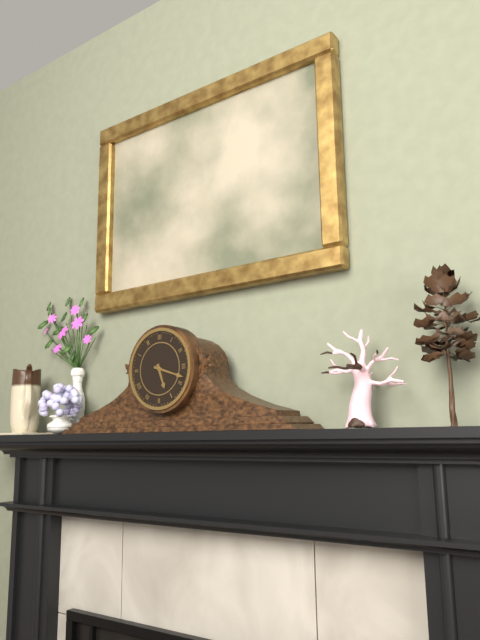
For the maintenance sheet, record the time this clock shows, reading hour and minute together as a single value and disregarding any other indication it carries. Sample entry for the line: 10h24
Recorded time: 5h18
